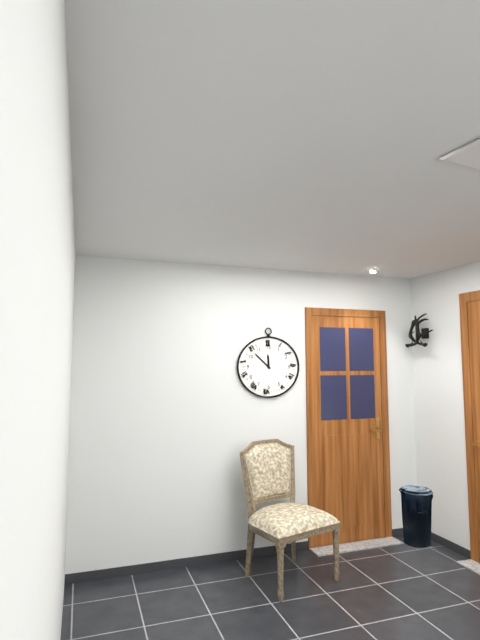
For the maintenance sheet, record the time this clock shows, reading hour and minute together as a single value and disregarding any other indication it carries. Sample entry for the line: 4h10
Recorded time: 11h52
